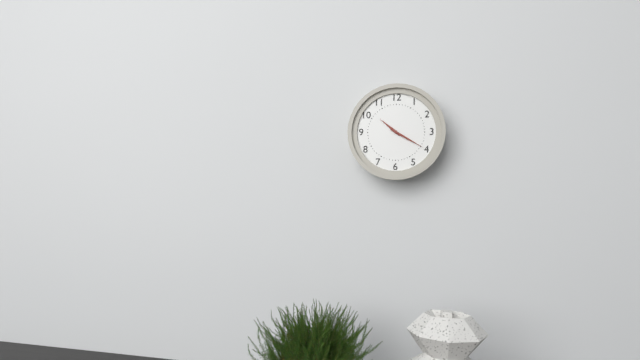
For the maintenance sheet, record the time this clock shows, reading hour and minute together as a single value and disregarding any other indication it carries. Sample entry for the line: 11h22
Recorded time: 10h20
